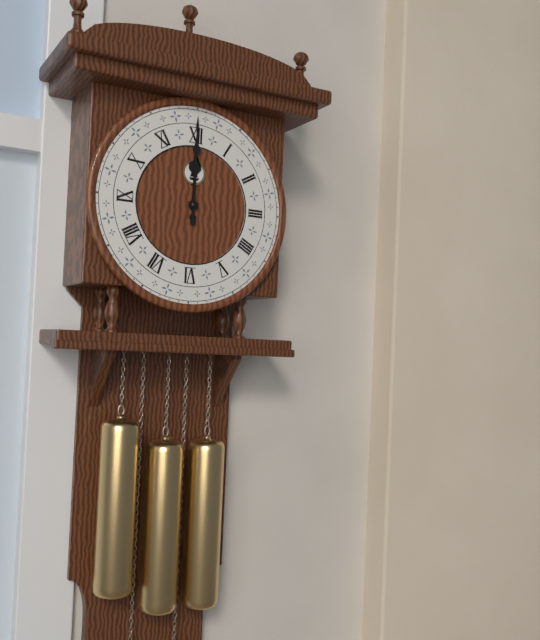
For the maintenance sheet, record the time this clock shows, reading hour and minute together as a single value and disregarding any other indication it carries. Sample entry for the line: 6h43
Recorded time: 12h00
